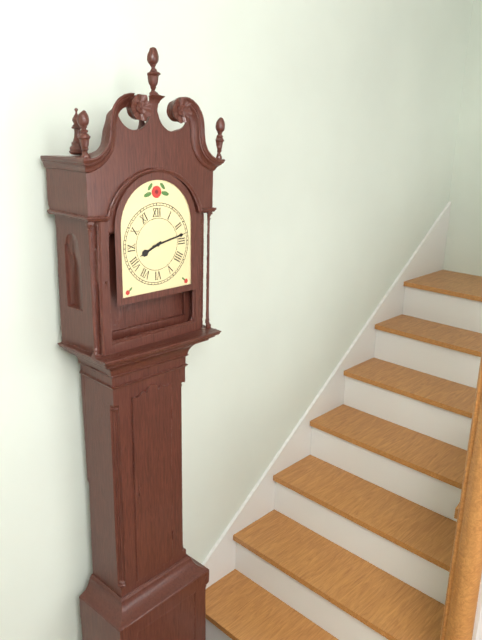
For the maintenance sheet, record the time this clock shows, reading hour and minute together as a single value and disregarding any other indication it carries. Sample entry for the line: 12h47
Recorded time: 8h13
